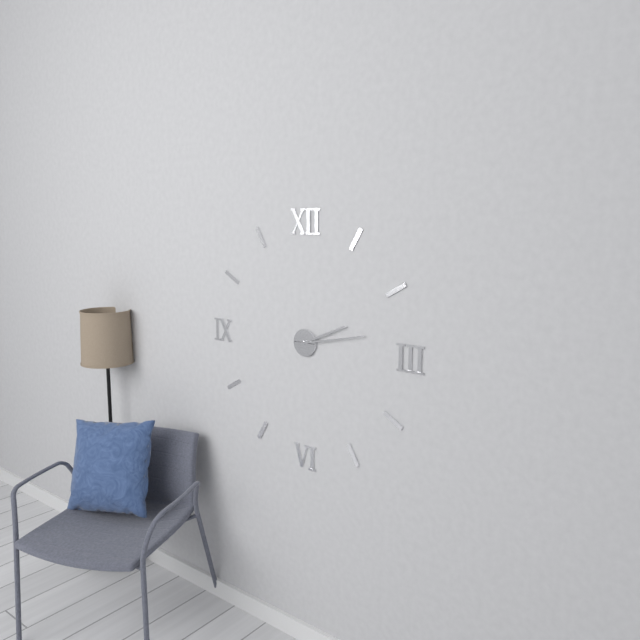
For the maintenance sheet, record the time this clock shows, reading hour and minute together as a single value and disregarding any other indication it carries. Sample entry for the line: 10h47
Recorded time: 2h13
